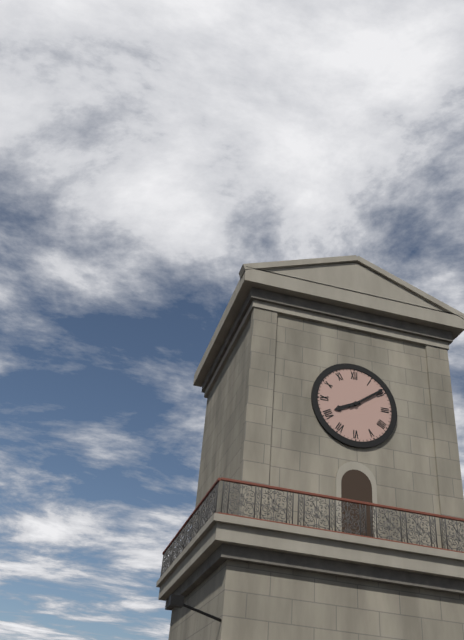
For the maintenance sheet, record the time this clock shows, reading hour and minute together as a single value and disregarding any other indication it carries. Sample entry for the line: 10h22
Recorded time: 8h09
